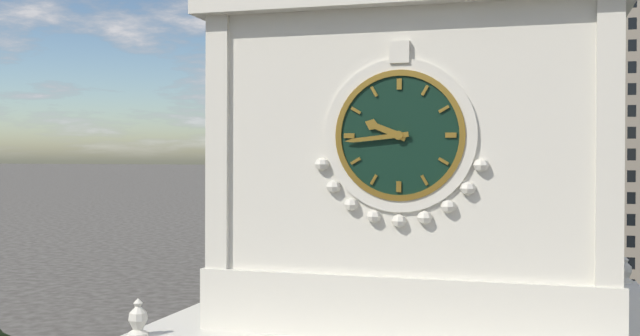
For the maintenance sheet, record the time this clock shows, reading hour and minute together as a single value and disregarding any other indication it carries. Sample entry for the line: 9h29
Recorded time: 9h44
